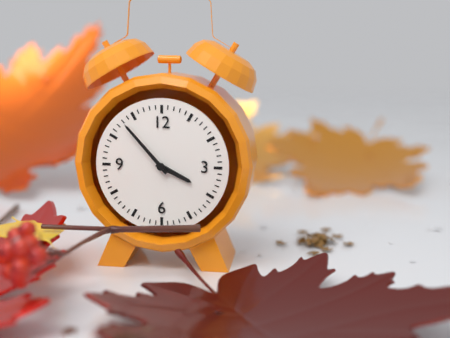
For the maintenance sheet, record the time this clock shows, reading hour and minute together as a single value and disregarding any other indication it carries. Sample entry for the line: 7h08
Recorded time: 3h53
